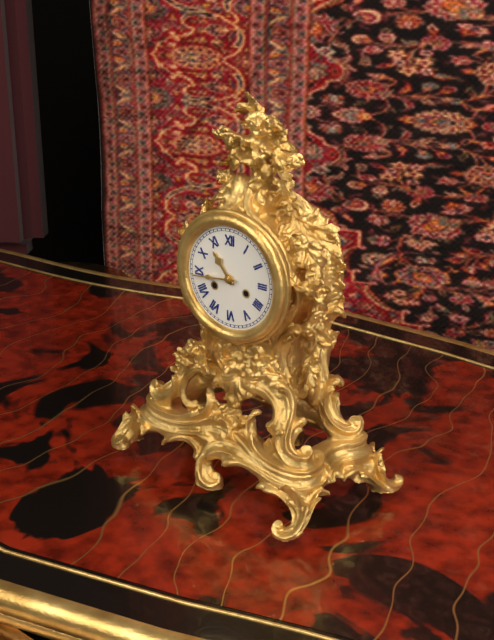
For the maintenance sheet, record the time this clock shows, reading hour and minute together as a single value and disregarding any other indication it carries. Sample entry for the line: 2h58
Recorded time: 10h44
